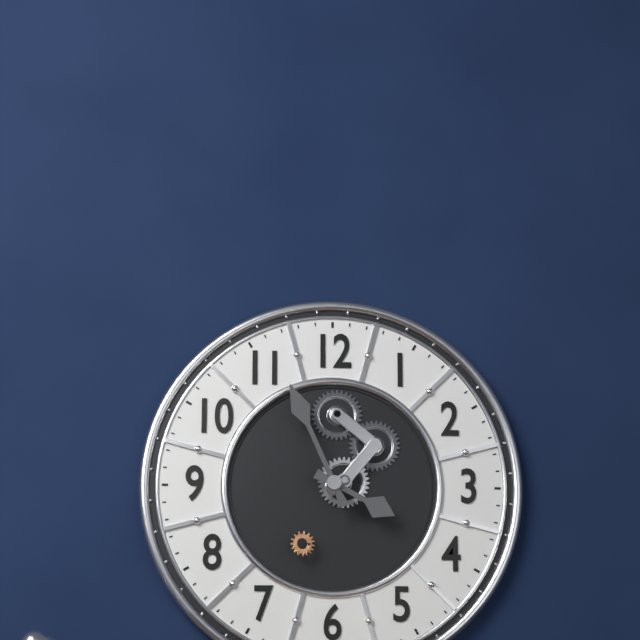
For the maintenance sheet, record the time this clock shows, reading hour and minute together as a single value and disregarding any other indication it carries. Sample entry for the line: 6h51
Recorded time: 3h56
